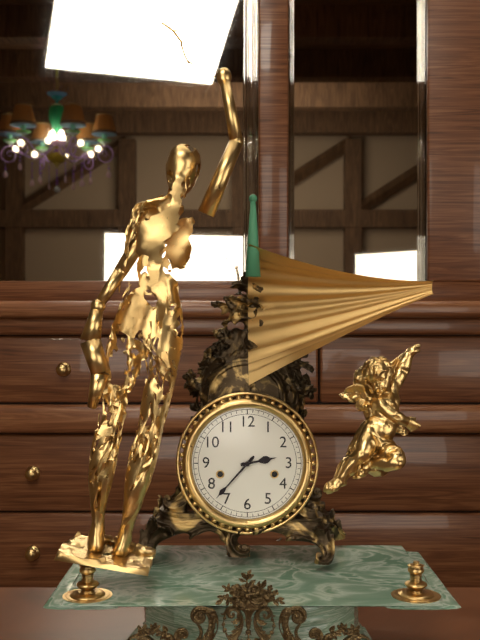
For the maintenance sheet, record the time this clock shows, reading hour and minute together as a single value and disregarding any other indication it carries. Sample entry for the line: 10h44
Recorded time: 2h37
